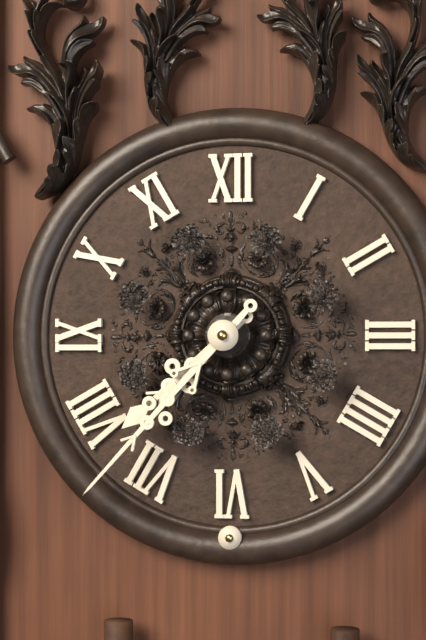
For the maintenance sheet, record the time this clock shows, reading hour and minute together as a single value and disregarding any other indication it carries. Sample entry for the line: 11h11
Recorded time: 7h37
